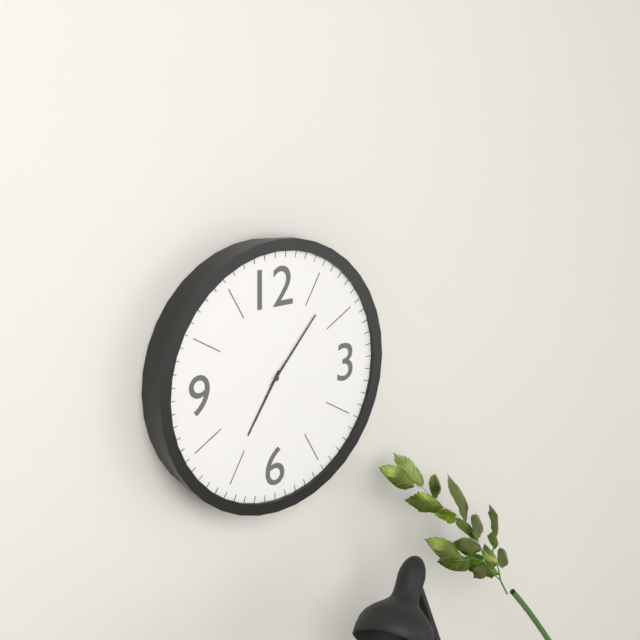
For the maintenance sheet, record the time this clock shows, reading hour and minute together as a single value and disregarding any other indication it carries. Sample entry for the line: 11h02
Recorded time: 7h07
